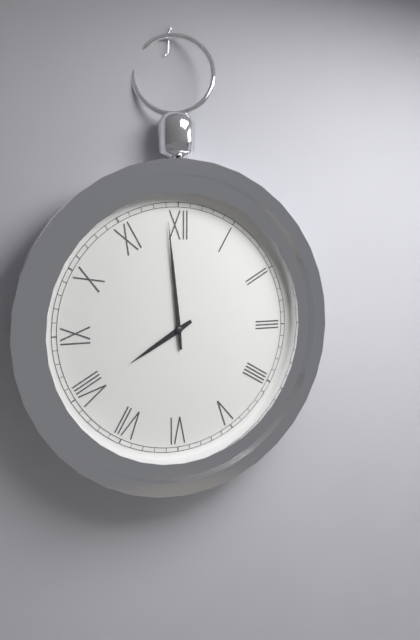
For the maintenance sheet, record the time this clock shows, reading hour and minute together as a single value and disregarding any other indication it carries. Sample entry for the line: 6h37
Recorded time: 7h59
